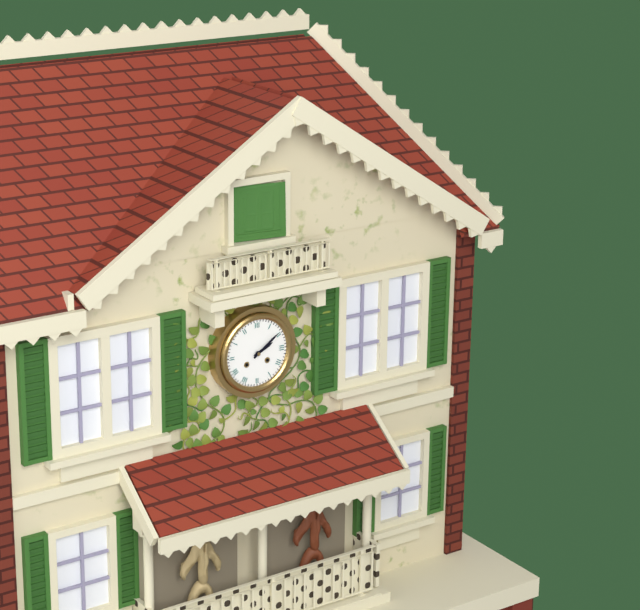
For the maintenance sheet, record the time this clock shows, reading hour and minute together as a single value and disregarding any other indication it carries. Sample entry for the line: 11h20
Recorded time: 2h09
